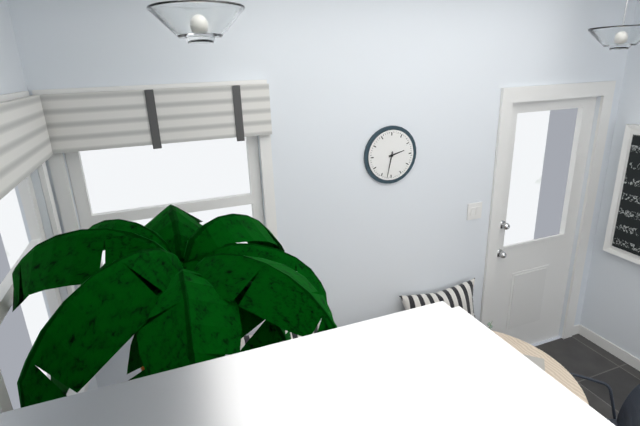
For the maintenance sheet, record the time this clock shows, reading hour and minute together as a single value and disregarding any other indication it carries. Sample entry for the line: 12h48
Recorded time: 2h32
